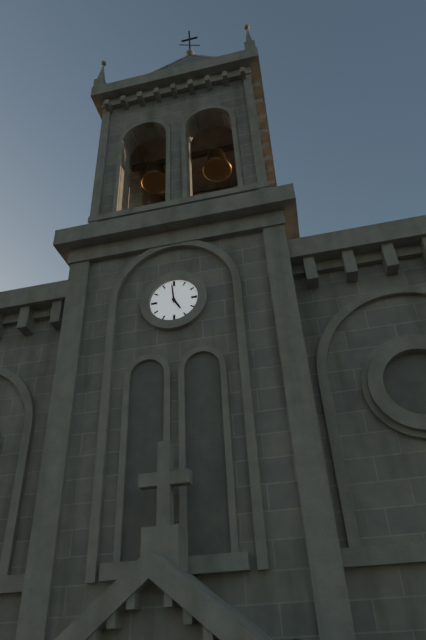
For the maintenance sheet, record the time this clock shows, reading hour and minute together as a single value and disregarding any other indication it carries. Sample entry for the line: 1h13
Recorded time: 4h59
